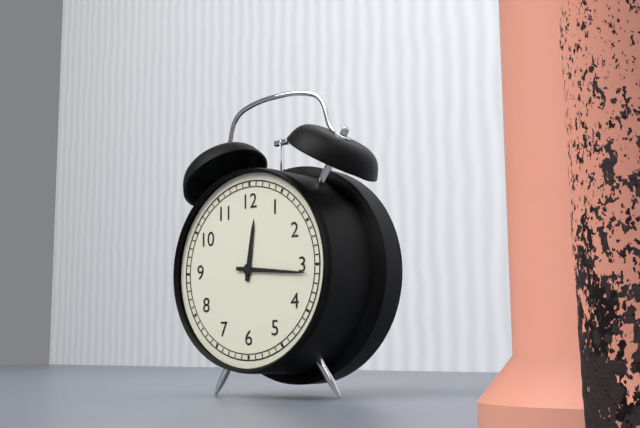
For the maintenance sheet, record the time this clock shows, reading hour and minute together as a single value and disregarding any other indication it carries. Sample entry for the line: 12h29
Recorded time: 12h16
